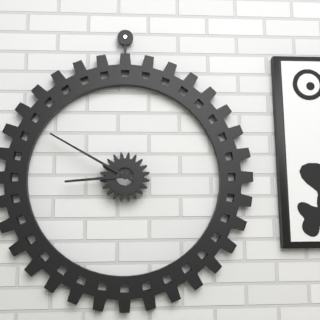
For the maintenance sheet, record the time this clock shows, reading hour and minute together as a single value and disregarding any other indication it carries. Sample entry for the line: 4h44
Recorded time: 8h50
